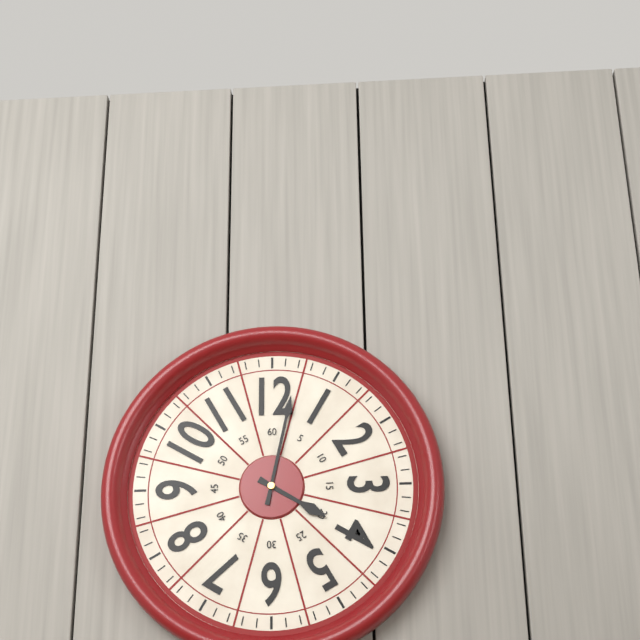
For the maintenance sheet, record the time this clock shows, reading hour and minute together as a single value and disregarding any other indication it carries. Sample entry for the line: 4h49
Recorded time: 4h02
